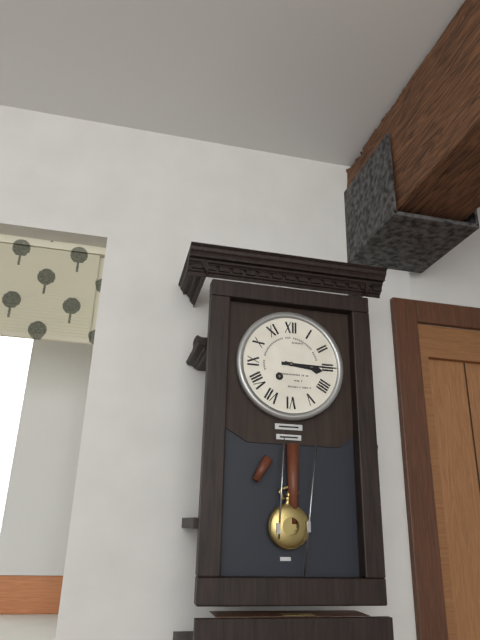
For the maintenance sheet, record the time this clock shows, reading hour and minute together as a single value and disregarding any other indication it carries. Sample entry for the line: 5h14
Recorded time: 3h15
